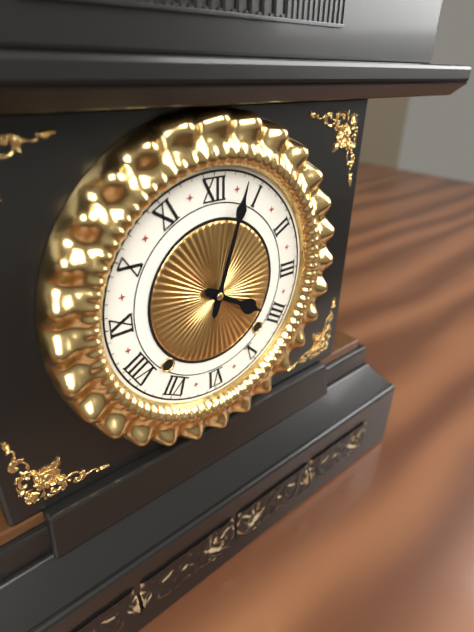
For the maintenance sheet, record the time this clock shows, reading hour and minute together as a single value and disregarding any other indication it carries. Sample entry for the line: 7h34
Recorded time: 4h03
